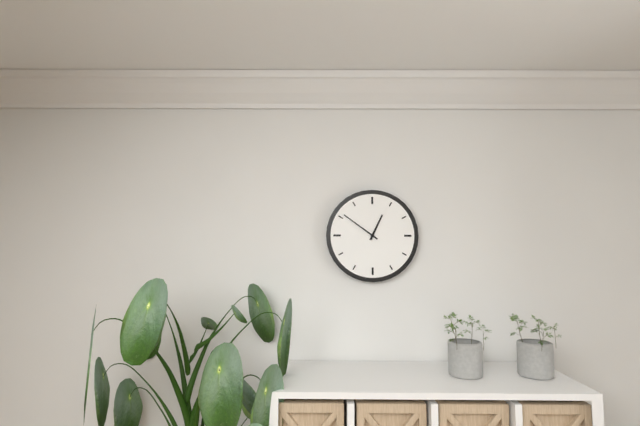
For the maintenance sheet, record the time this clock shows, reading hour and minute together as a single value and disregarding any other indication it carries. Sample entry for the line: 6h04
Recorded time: 12h51
